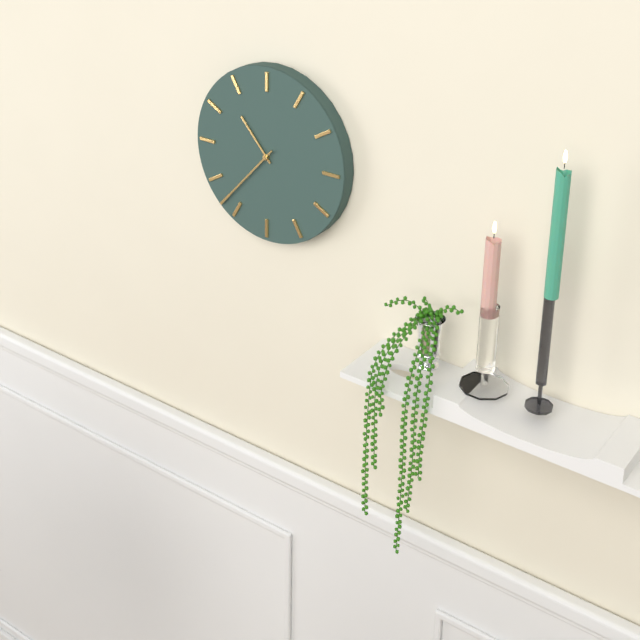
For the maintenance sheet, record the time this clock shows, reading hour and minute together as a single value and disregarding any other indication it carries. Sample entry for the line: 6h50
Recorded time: 10h37
